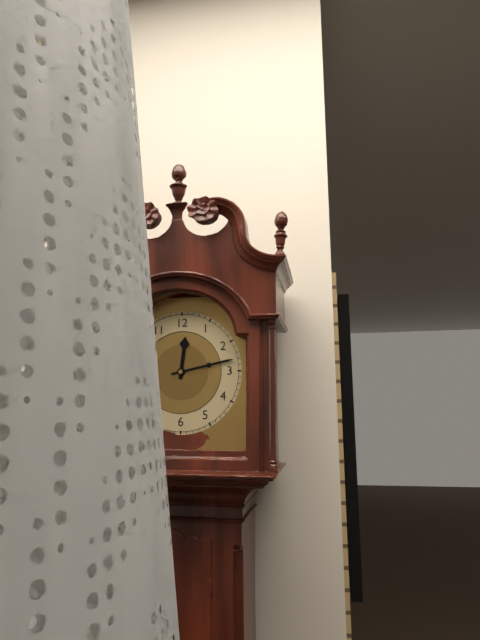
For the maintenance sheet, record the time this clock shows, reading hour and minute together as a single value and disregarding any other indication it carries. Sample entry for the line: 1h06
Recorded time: 12h13
